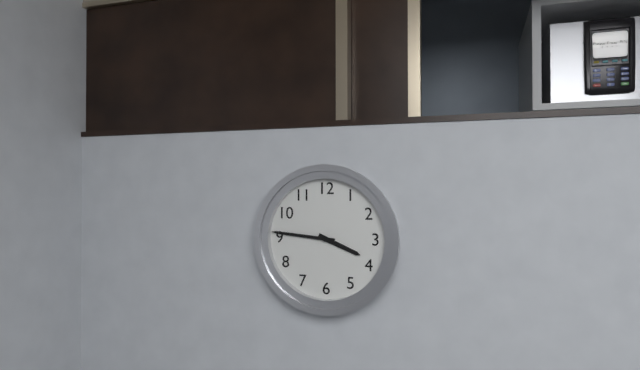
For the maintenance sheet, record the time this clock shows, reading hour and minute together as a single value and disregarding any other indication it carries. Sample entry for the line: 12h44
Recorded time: 3h46
